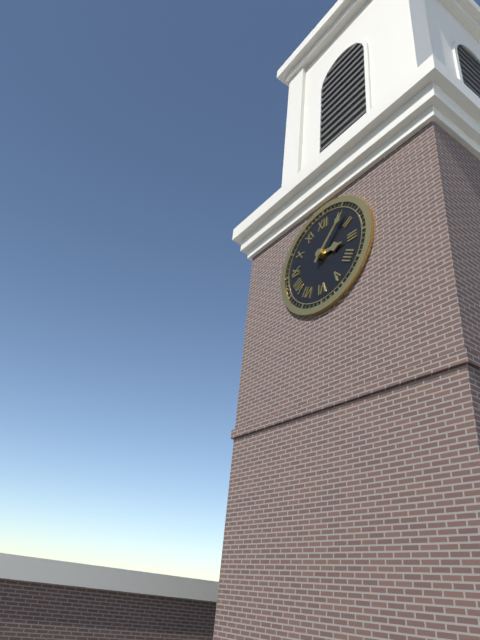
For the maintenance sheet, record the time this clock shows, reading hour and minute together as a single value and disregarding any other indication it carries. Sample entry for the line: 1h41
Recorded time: 3h07
